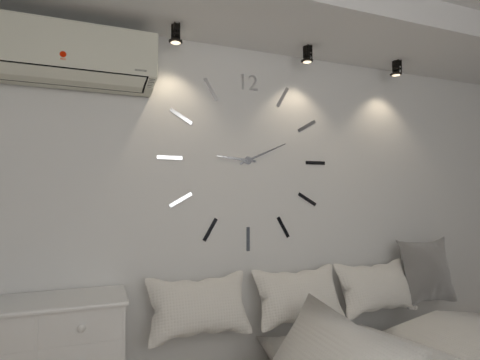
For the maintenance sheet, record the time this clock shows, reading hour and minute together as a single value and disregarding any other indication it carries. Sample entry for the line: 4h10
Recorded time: 9h11
